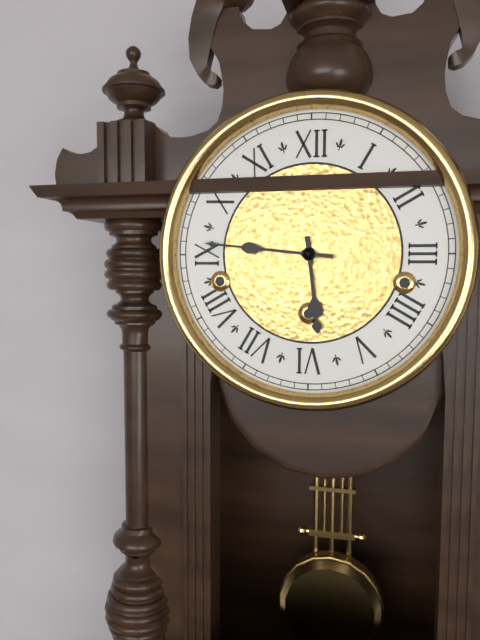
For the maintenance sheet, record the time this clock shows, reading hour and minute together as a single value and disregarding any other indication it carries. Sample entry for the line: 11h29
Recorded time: 5h46
